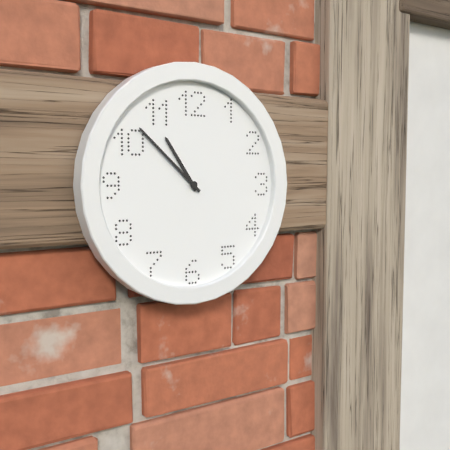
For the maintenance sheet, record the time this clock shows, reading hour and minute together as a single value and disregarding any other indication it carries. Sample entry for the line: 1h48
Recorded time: 10h52
